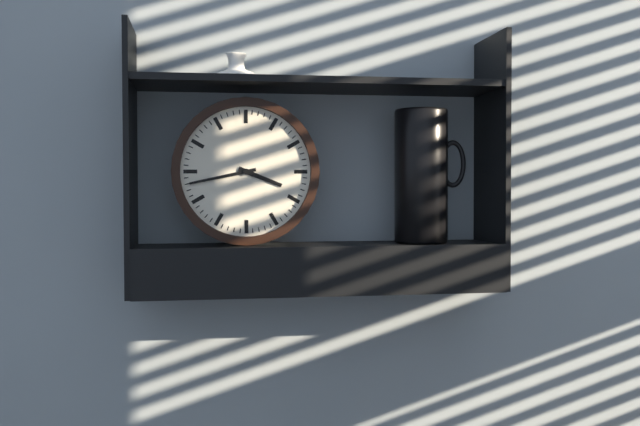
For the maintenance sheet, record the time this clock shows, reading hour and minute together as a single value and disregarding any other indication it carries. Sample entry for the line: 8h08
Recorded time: 3h43
